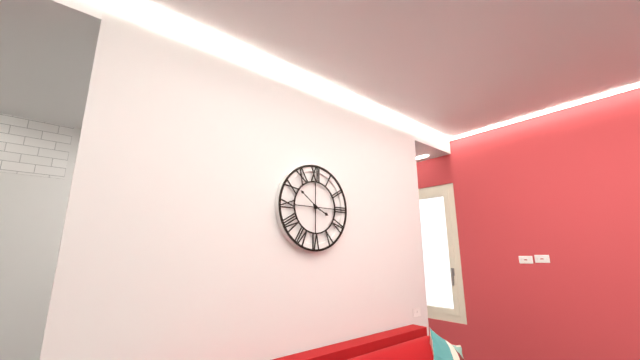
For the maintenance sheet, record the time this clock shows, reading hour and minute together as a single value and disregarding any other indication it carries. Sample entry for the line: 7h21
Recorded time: 3h51
